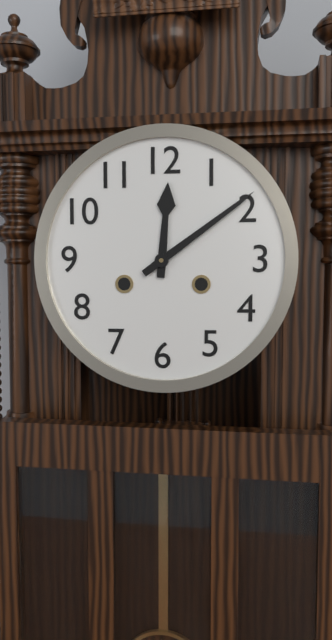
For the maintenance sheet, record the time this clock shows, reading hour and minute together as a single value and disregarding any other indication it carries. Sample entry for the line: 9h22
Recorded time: 12h09
